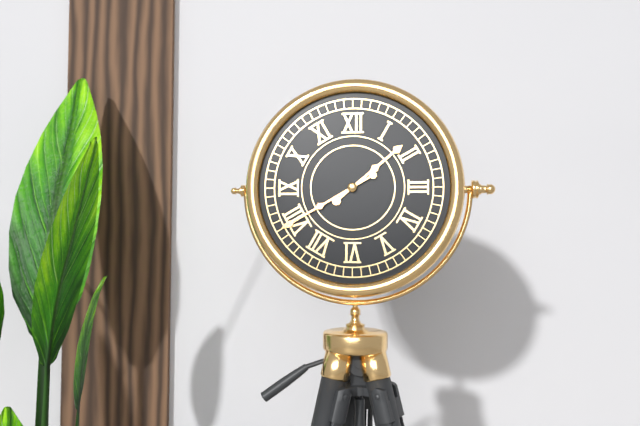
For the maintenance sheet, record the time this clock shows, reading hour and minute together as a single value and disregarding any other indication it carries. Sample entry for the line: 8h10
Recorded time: 1h40
